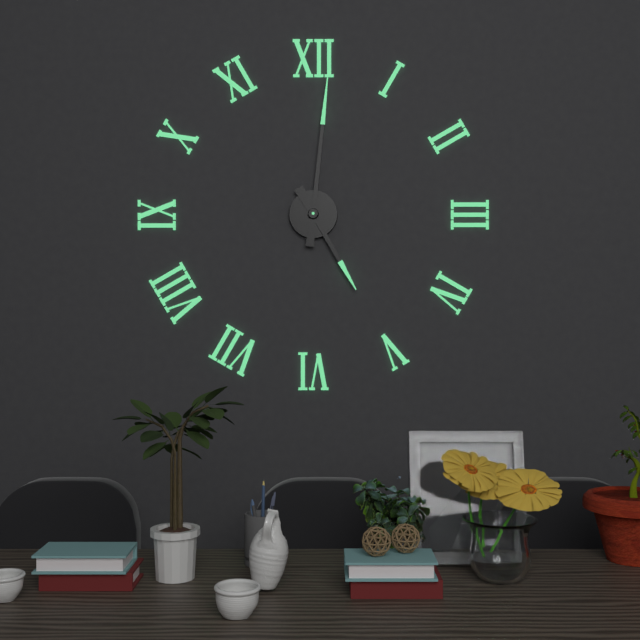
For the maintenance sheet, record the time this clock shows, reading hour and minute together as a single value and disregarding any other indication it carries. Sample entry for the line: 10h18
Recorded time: 5h01
